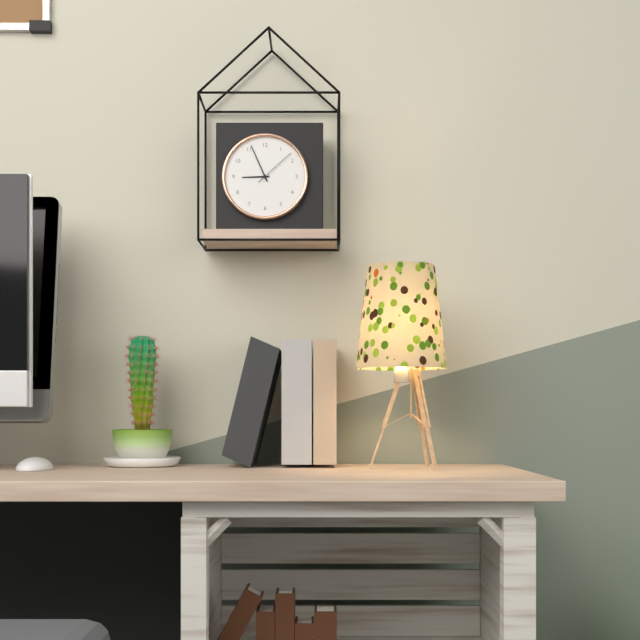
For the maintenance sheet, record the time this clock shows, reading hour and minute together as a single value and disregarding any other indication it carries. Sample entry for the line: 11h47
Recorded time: 8h56
